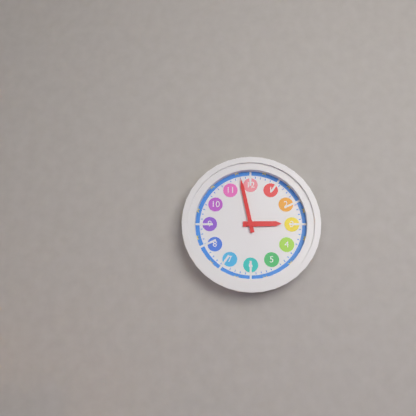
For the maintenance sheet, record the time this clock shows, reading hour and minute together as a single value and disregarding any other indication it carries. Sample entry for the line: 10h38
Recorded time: 2h58
